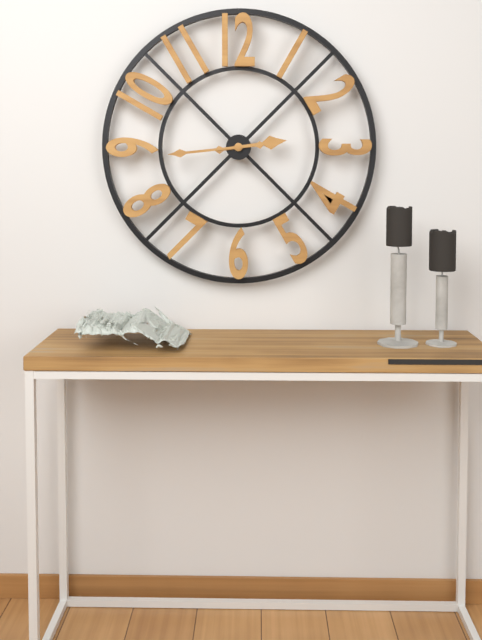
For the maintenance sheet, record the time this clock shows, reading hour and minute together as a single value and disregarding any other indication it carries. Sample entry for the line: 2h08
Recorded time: 2h44
